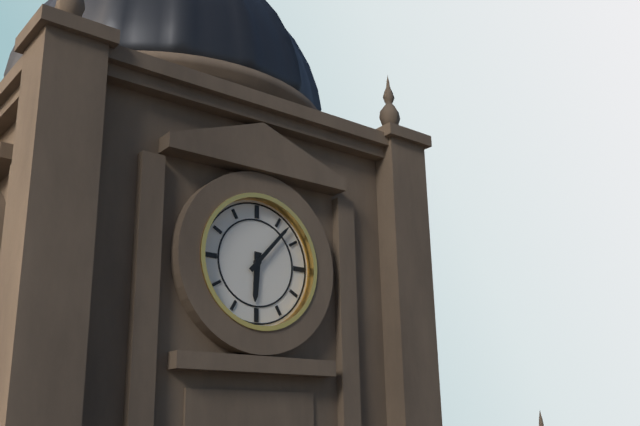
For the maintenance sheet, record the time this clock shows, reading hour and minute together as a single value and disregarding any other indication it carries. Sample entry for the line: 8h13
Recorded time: 6h07
